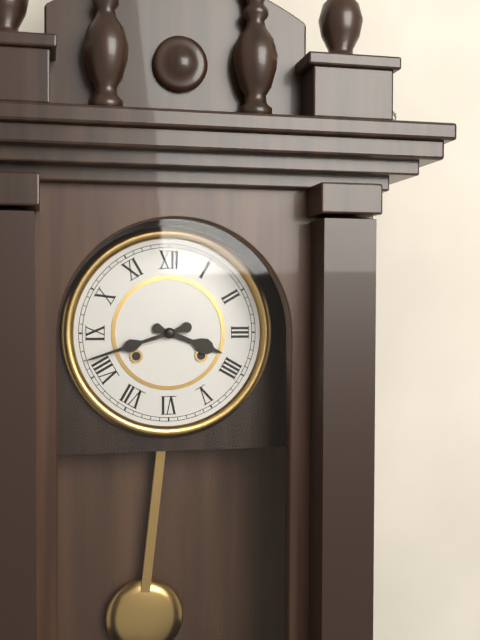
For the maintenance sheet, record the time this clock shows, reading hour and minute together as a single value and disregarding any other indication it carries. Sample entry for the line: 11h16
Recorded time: 3h42
